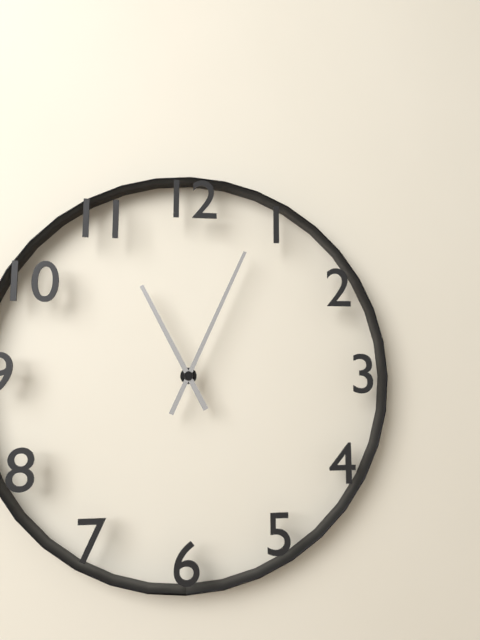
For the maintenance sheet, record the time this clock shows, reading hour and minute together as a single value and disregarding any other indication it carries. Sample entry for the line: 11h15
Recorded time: 11h04
